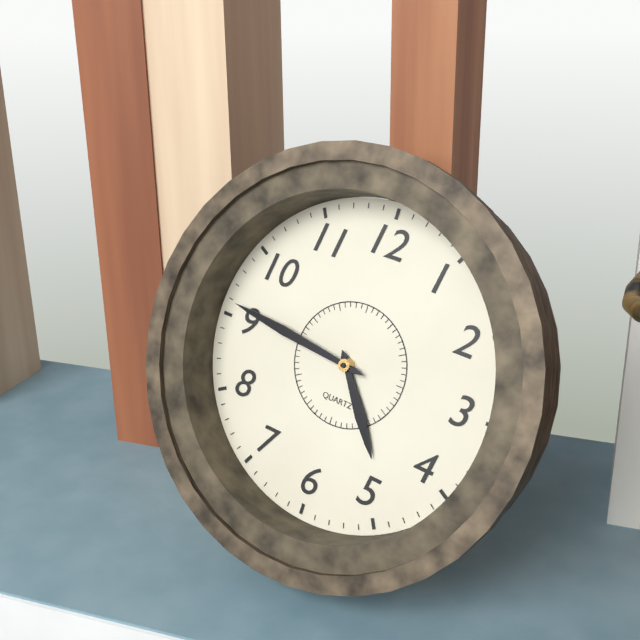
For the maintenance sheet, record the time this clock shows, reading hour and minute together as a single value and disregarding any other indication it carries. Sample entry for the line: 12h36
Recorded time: 4h46
